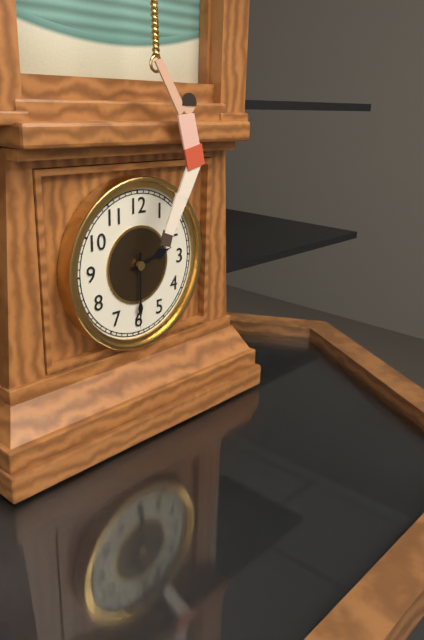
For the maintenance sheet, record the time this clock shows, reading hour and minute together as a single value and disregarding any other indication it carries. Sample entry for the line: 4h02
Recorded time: 2h30
